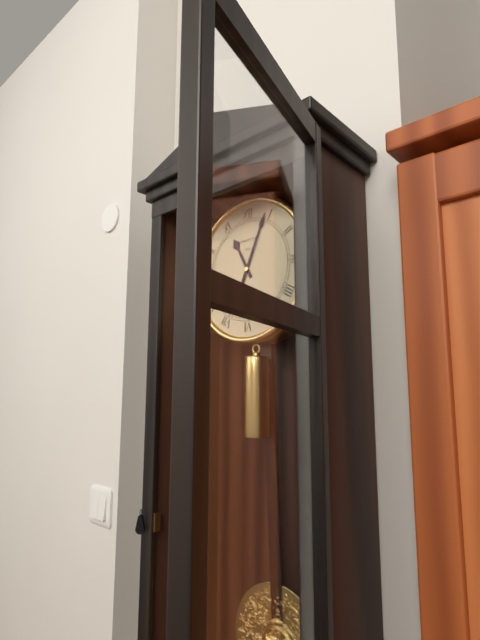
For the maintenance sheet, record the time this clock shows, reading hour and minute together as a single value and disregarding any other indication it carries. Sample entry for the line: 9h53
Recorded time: 11h04
